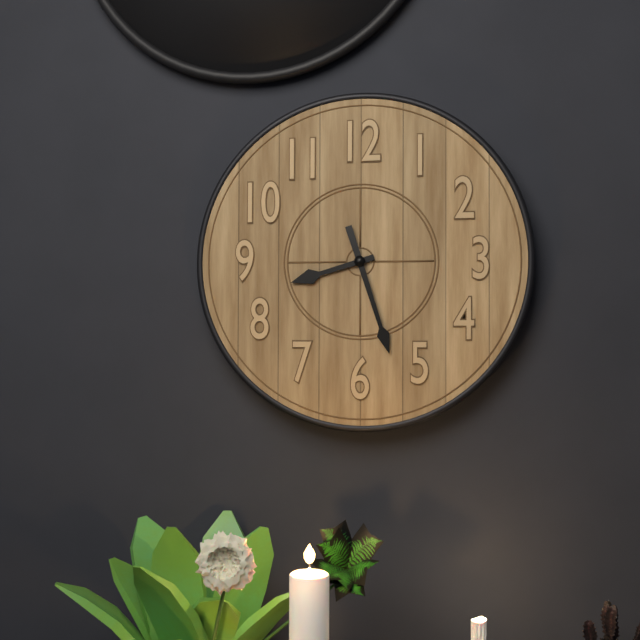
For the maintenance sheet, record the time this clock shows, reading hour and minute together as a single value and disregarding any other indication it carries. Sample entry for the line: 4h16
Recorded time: 8h27
